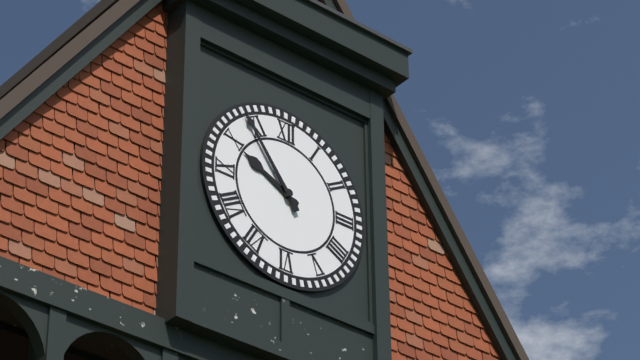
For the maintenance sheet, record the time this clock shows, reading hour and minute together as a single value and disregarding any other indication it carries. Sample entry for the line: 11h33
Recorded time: 9h54
